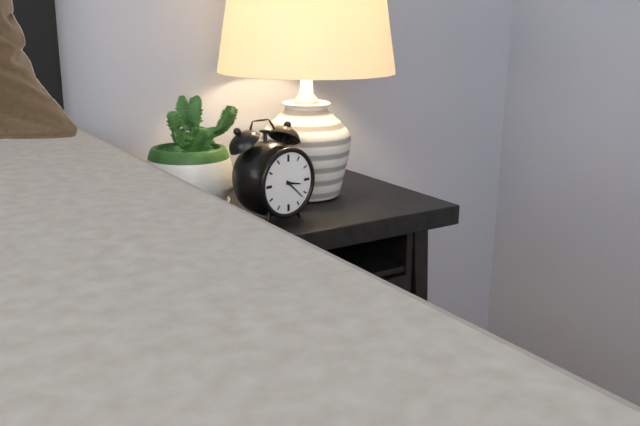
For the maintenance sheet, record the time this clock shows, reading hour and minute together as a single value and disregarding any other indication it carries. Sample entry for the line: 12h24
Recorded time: 3h22
